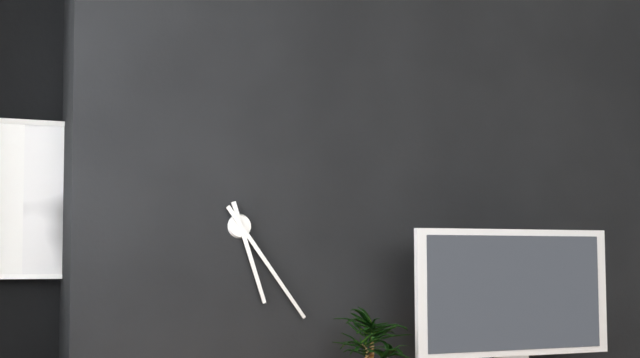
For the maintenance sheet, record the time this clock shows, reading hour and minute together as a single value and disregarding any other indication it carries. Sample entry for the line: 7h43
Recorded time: 5h24
